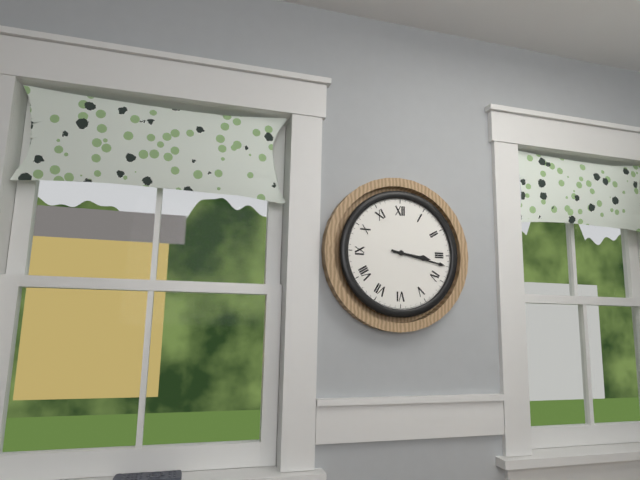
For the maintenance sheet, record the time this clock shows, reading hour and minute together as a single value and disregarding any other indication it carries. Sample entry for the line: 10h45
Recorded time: 3h17
